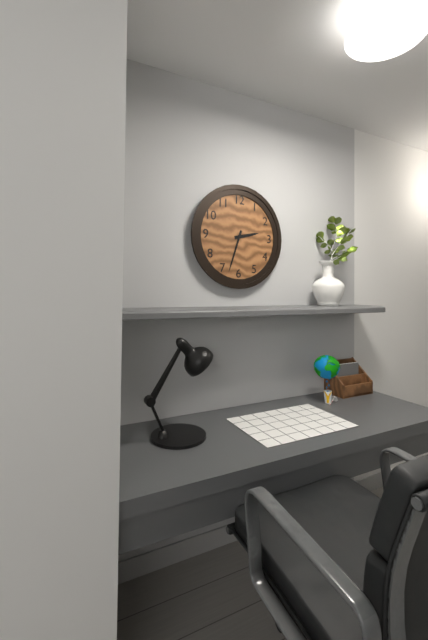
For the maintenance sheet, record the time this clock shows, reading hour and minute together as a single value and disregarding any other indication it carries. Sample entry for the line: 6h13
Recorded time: 2h33
